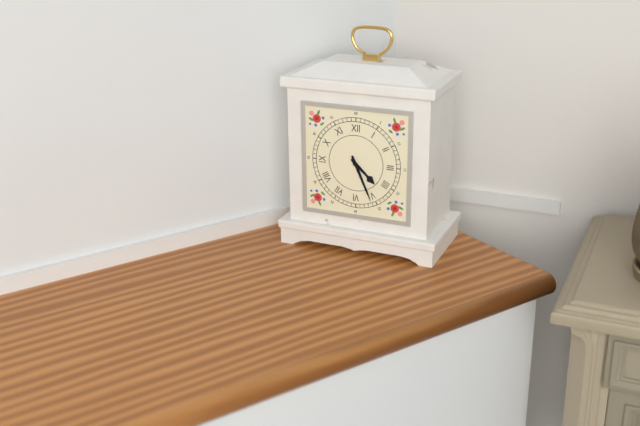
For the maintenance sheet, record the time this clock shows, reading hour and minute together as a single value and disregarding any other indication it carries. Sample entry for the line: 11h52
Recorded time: 4h26
